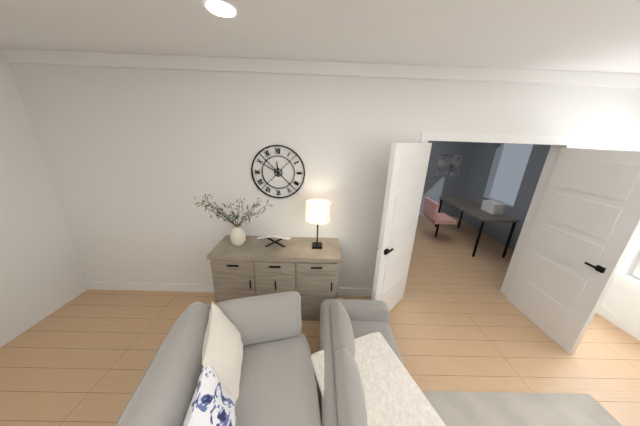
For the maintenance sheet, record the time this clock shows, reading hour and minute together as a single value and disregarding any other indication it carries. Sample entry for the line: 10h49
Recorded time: 11h50
